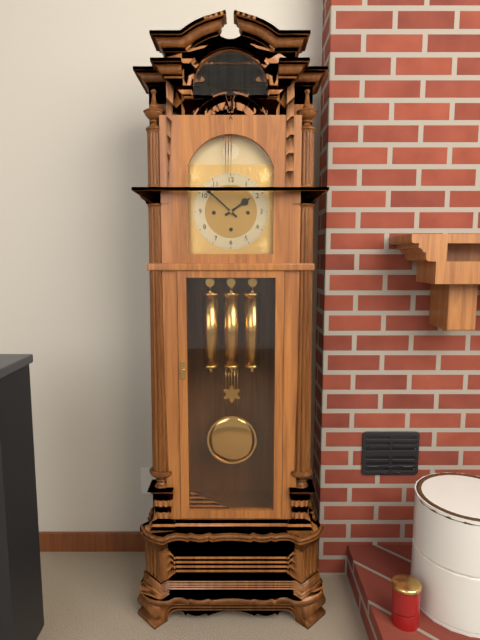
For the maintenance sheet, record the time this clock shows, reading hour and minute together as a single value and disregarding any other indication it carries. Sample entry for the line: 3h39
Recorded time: 1h52
